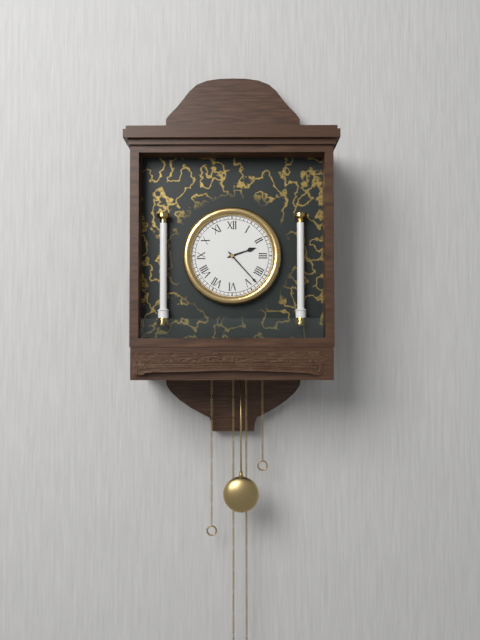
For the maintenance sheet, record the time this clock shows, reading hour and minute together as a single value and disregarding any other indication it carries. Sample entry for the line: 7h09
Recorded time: 2h23
